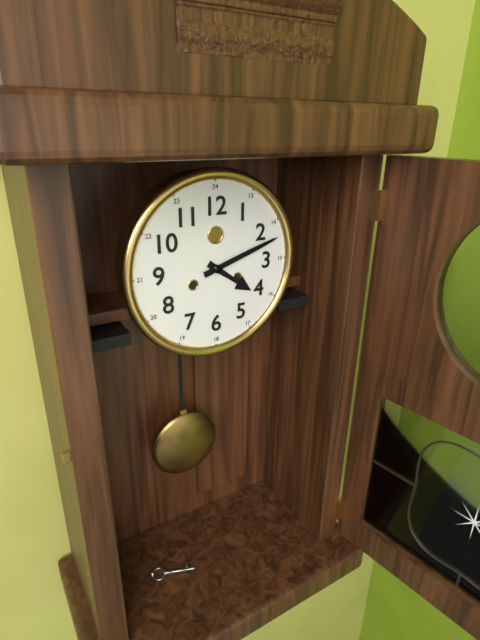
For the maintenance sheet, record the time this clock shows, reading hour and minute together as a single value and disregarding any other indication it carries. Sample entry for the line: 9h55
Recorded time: 4h12
